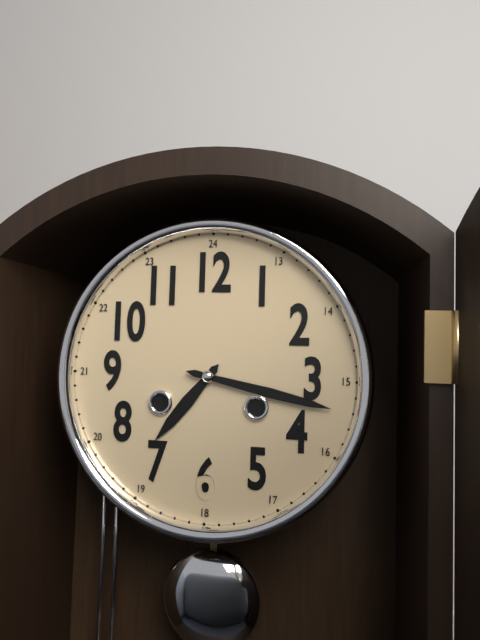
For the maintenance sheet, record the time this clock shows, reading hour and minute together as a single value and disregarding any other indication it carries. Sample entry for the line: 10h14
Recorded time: 7h17
